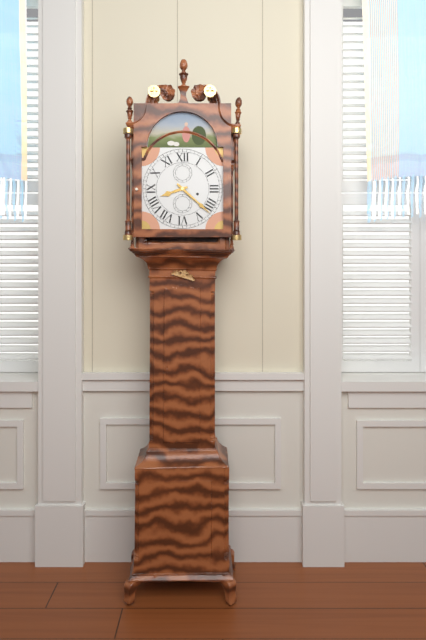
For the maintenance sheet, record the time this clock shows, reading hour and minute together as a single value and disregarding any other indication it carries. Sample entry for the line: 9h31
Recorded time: 8h22
